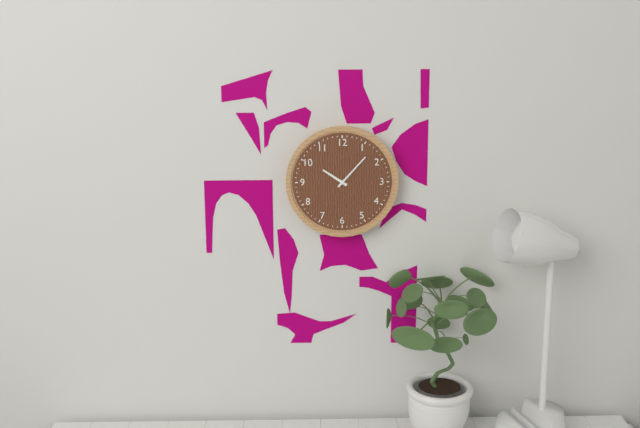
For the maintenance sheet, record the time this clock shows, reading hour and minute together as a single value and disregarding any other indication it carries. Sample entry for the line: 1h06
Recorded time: 10h07
